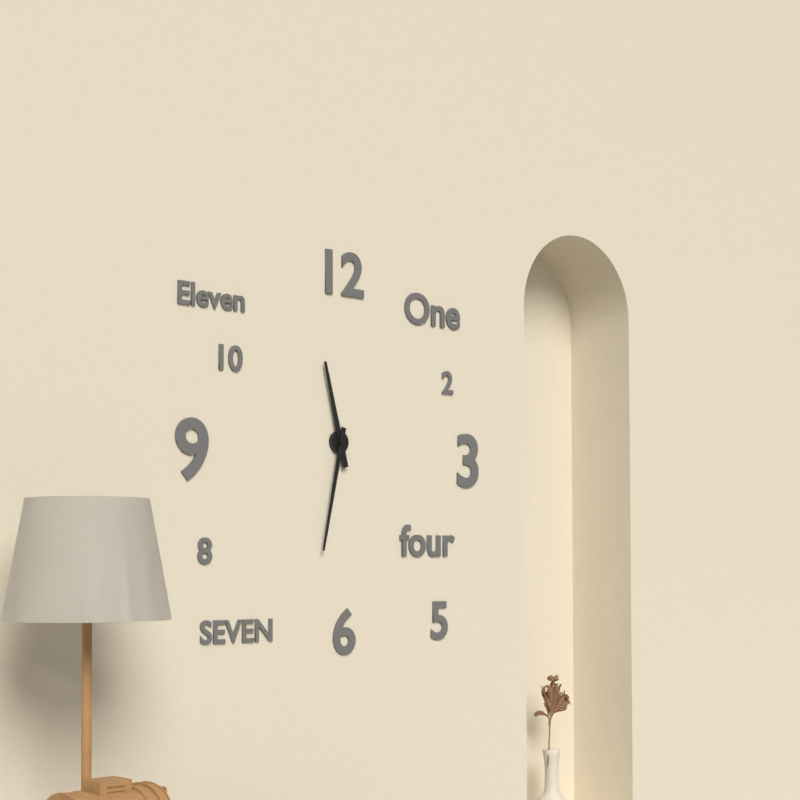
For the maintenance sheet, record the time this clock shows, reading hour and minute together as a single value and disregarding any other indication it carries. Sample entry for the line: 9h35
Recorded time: 11h32
